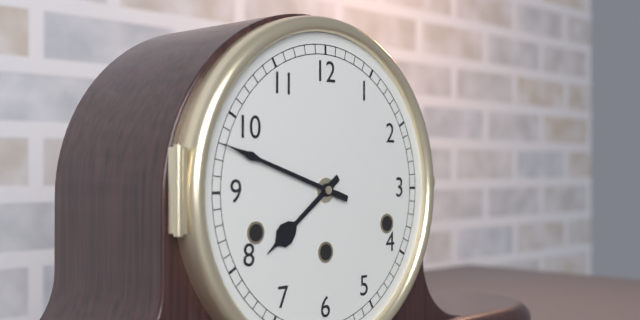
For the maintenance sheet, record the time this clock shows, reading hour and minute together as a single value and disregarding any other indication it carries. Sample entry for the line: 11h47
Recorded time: 7h48
